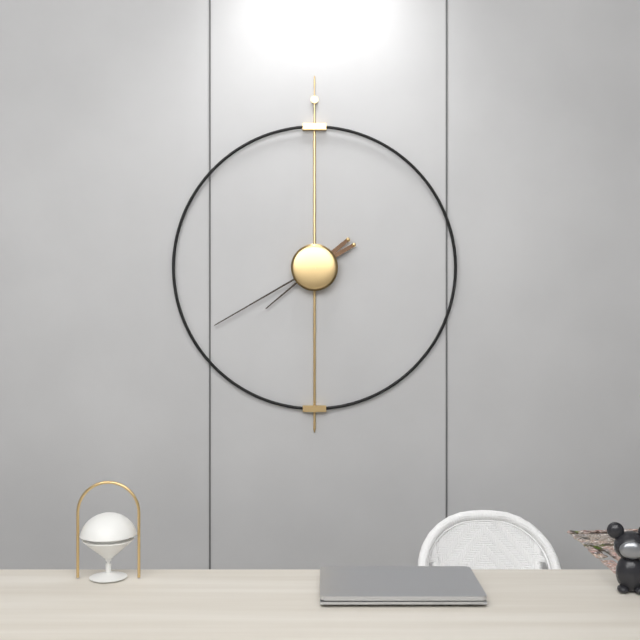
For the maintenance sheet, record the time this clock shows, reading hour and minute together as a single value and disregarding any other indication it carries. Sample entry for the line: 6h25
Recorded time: 7h40
